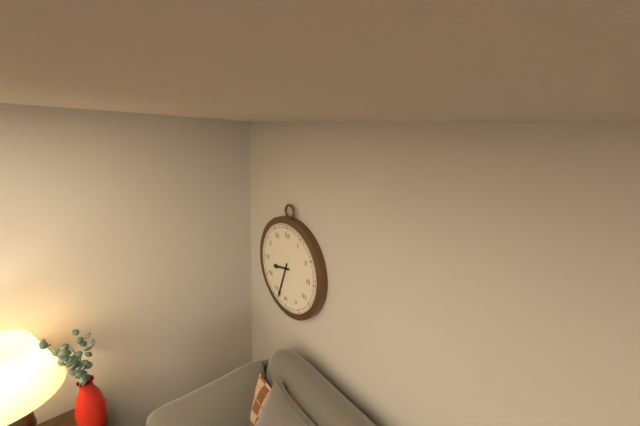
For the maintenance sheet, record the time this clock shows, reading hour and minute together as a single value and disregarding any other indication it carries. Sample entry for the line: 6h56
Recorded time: 8h33
